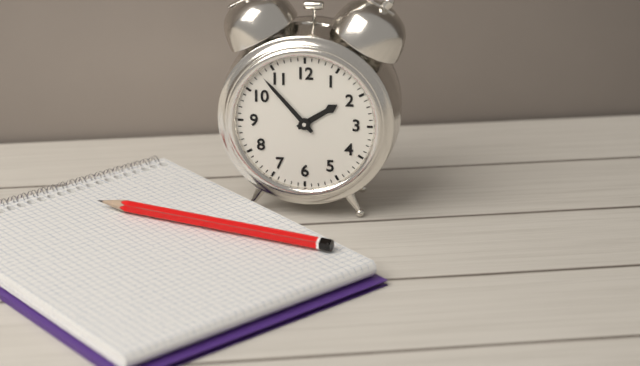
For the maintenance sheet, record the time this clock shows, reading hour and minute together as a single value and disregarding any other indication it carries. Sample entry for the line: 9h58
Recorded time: 1h53
